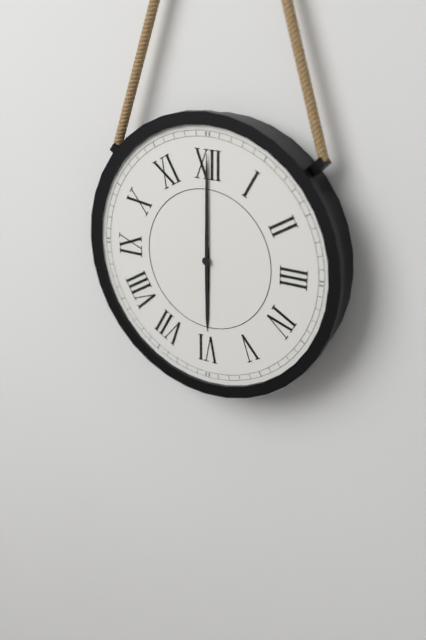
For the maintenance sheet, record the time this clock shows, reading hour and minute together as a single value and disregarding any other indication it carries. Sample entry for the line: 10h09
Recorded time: 6h00
